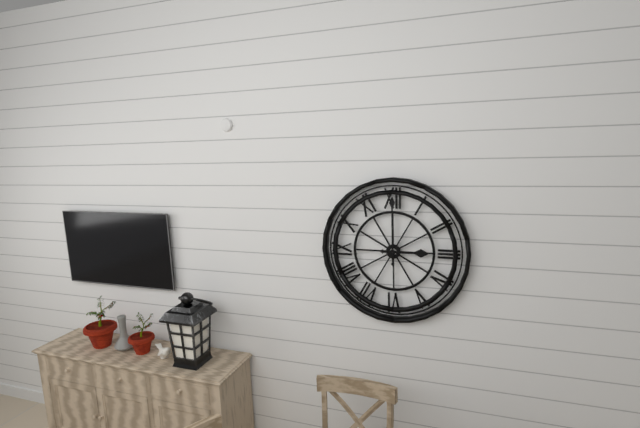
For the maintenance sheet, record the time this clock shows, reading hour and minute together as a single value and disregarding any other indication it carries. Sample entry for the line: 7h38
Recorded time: 3h00
